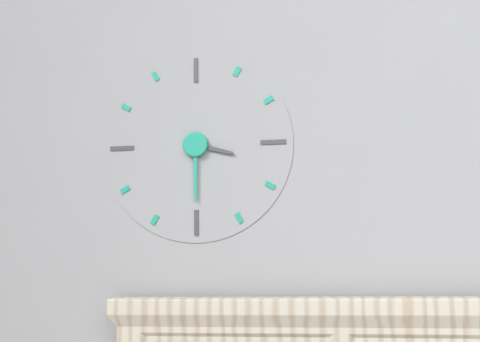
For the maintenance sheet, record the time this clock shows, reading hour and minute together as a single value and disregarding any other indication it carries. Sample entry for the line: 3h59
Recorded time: 3h30
